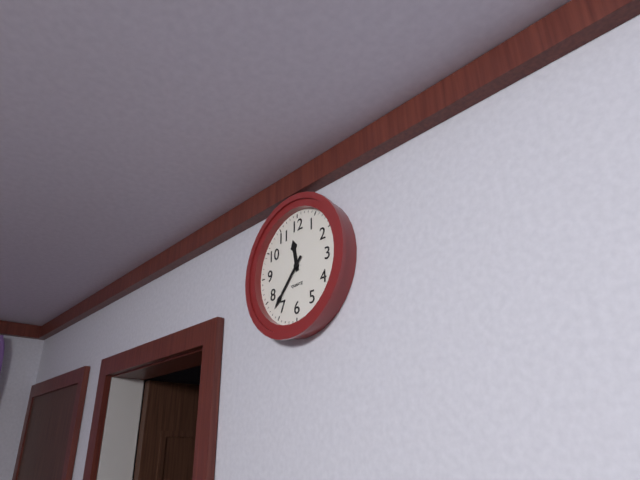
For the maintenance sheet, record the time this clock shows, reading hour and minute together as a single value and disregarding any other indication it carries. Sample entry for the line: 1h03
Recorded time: 11h37
